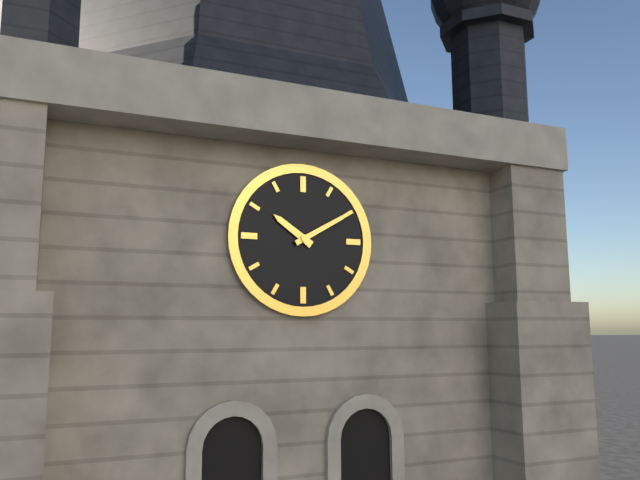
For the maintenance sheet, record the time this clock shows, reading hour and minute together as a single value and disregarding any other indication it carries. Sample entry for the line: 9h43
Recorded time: 10h10
